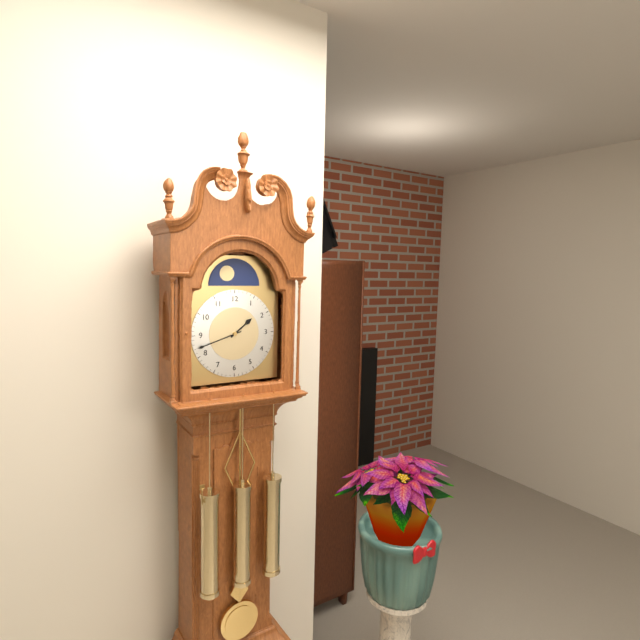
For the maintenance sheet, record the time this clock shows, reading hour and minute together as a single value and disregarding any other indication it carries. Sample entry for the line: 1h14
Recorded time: 1h42
